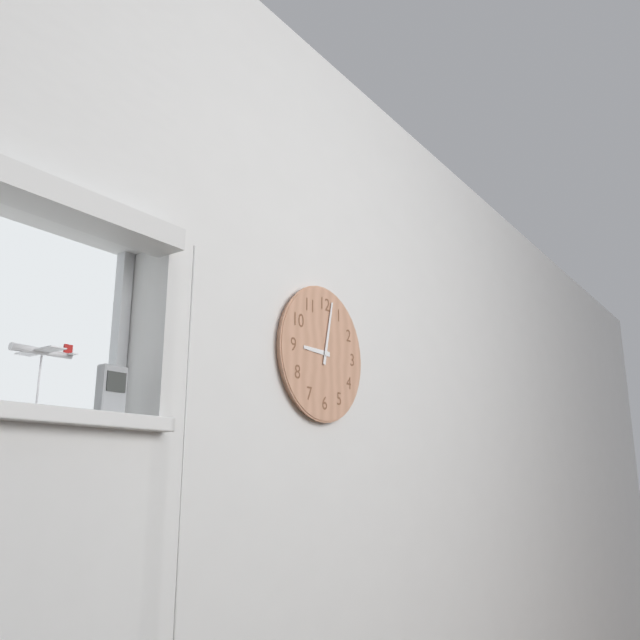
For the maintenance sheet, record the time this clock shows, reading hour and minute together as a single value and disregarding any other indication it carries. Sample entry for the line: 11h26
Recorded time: 9h02
